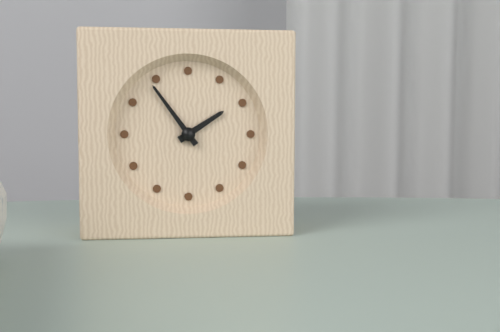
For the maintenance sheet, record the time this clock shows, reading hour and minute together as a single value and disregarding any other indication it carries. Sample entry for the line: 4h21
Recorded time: 1h54
